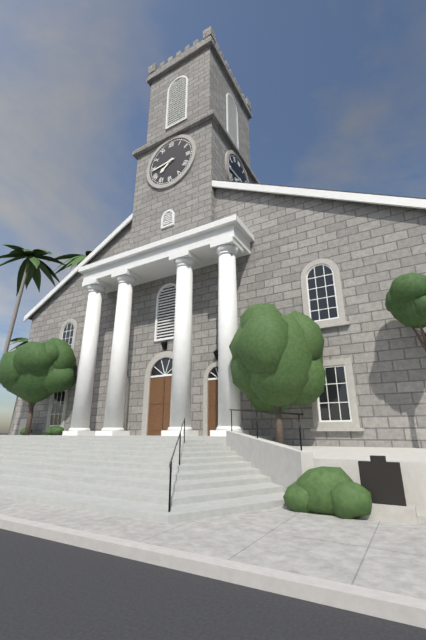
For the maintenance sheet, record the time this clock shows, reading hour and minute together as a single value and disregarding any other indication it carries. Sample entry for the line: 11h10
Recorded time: 7h44
